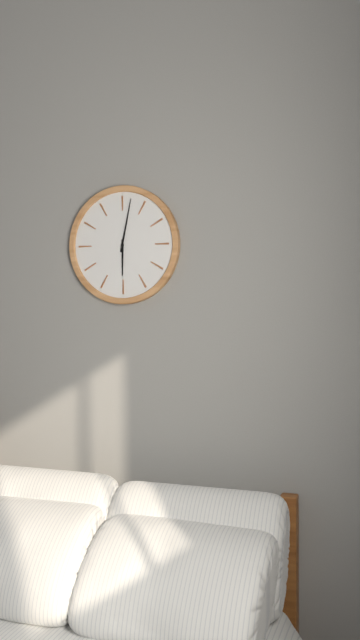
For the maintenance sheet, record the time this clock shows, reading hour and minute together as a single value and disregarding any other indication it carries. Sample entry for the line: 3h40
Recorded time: 6h02
